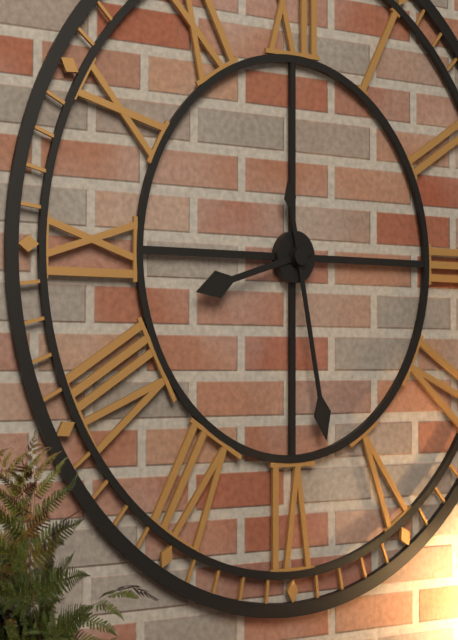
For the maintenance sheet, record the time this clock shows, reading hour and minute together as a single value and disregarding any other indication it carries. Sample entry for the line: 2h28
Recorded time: 8h28
